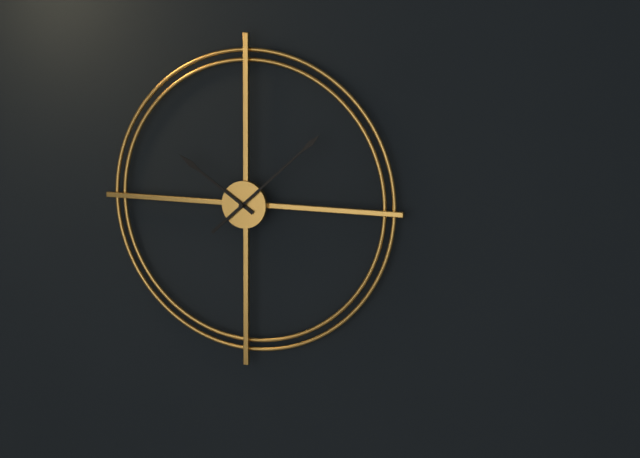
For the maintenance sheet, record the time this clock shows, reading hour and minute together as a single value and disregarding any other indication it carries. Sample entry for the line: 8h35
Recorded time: 10h08
